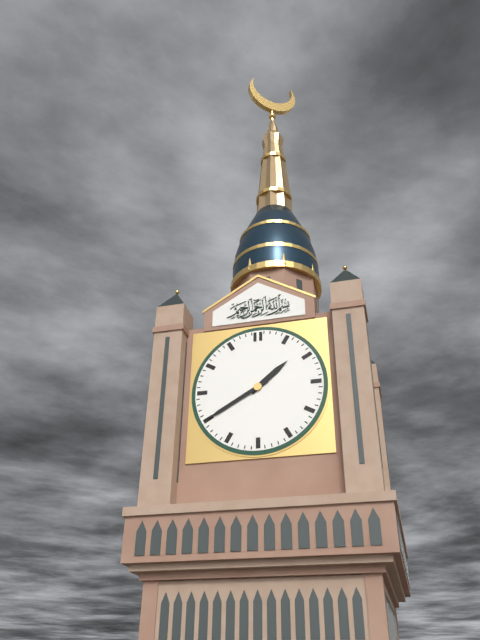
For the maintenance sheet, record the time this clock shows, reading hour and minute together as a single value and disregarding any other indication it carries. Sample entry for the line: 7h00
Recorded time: 1h40
